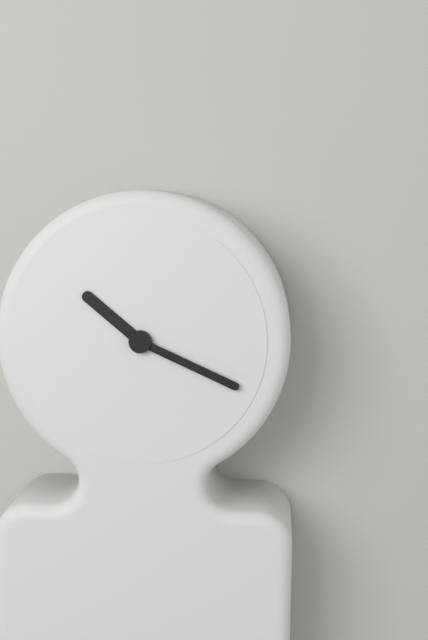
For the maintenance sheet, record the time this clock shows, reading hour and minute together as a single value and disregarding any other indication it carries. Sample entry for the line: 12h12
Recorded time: 10h19
